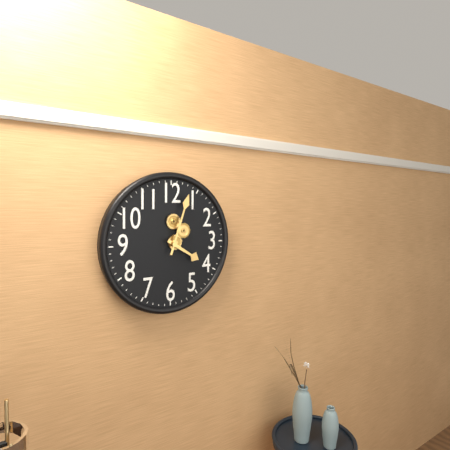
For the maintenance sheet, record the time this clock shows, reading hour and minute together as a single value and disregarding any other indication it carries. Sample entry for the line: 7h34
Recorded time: 4h03
